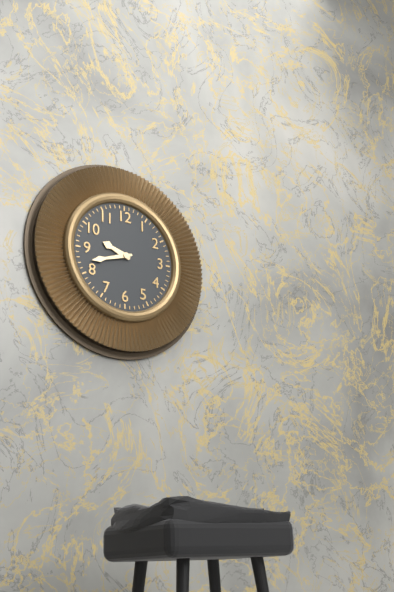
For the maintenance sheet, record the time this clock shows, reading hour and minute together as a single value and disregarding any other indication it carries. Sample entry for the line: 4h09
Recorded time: 9h42
